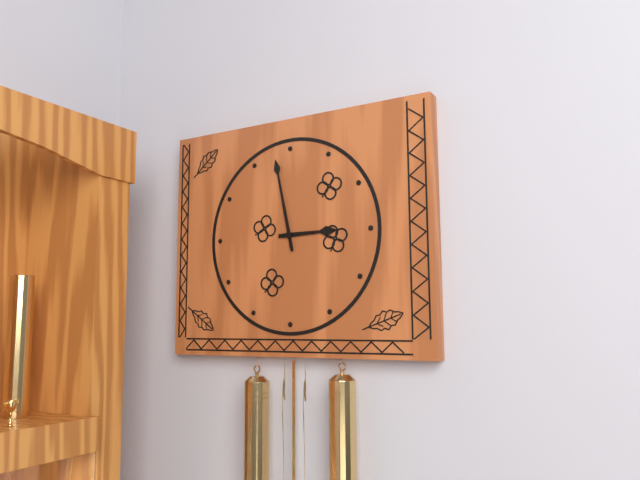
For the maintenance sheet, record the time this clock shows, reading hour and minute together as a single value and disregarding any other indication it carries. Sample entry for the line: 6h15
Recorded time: 2h58
